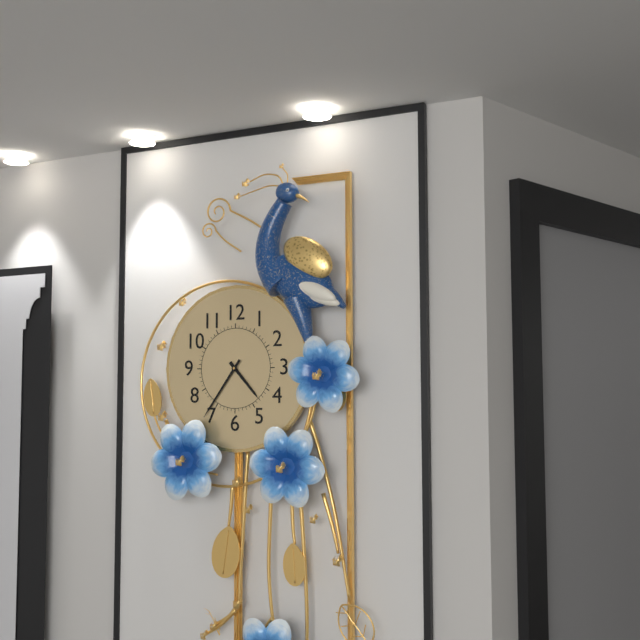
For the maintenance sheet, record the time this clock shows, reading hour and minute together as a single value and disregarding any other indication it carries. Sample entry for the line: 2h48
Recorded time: 4h36
